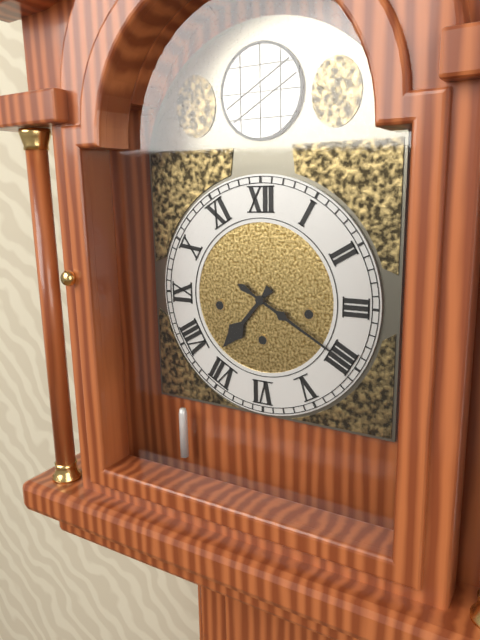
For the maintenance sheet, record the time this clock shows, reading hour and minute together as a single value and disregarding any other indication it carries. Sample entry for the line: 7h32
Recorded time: 7h20
